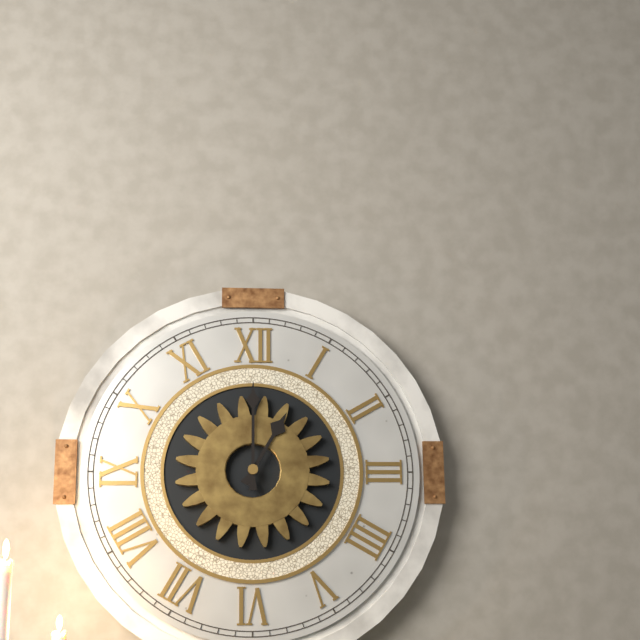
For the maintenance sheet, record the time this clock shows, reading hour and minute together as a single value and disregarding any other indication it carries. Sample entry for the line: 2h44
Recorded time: 1h00
